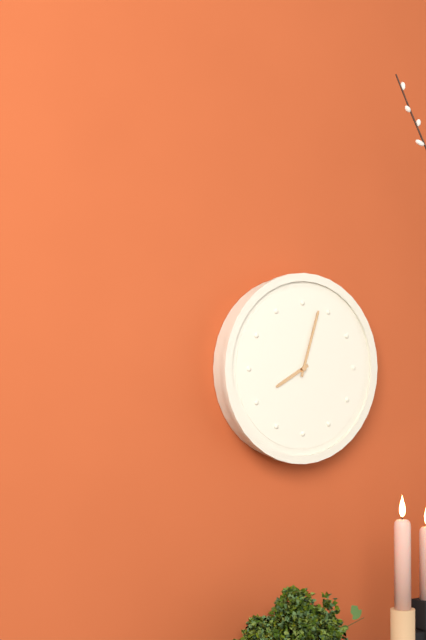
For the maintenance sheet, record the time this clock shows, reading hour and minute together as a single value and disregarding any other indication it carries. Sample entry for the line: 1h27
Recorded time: 8h03
